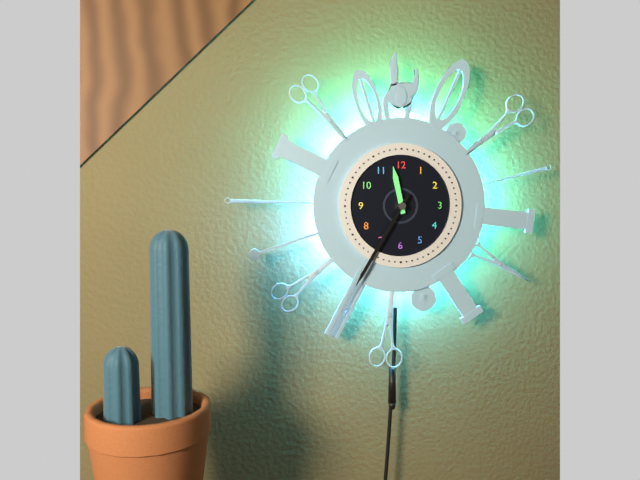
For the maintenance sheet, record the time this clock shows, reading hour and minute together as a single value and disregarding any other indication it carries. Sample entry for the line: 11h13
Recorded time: 11h35
